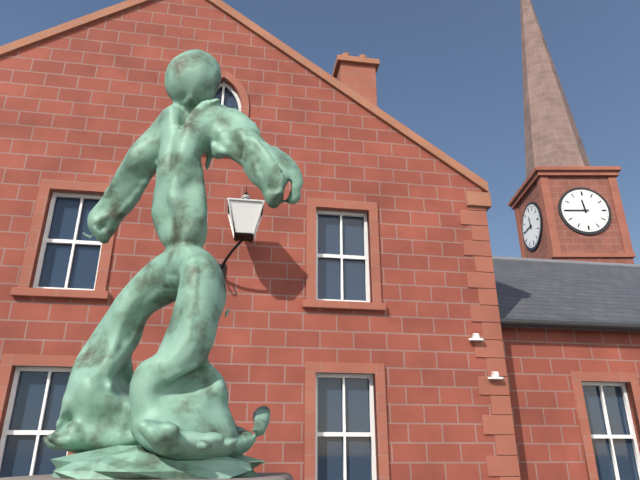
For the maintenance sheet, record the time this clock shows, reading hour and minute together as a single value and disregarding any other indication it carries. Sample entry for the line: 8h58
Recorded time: 11h45
